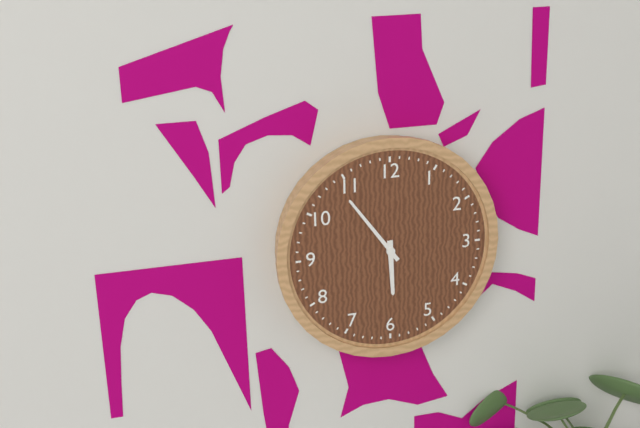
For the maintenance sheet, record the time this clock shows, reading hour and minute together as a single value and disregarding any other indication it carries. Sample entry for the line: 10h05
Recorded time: 5h54
